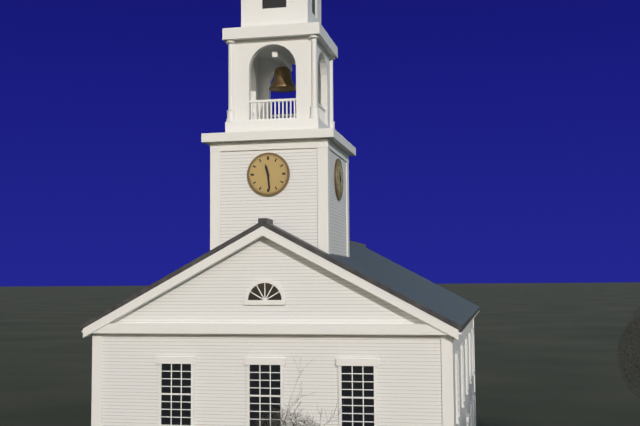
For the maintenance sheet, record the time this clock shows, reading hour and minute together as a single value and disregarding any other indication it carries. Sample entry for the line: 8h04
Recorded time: 11h29
